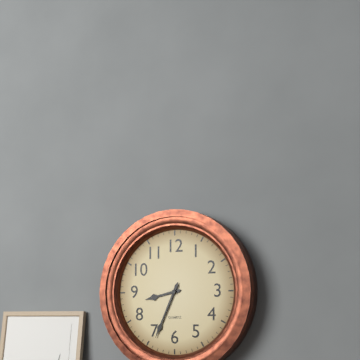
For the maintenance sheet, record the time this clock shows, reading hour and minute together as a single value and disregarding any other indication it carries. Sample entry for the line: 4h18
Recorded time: 8h34
